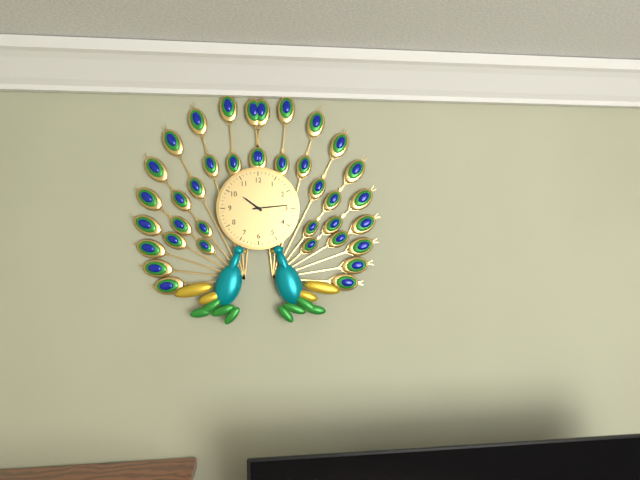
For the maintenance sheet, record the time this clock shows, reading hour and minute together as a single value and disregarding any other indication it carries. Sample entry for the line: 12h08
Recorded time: 10h14
